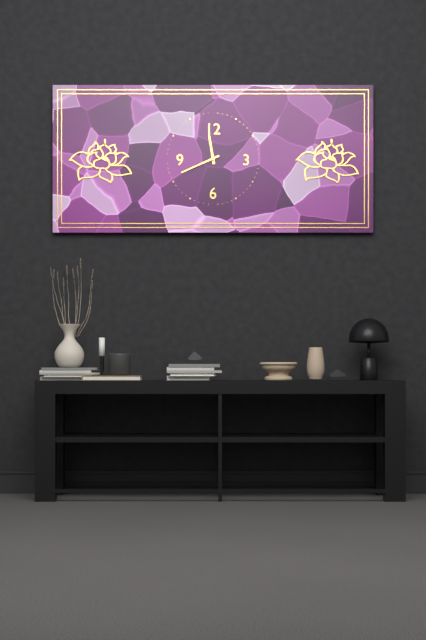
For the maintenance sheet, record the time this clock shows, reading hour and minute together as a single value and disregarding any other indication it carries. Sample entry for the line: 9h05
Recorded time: 11h41
